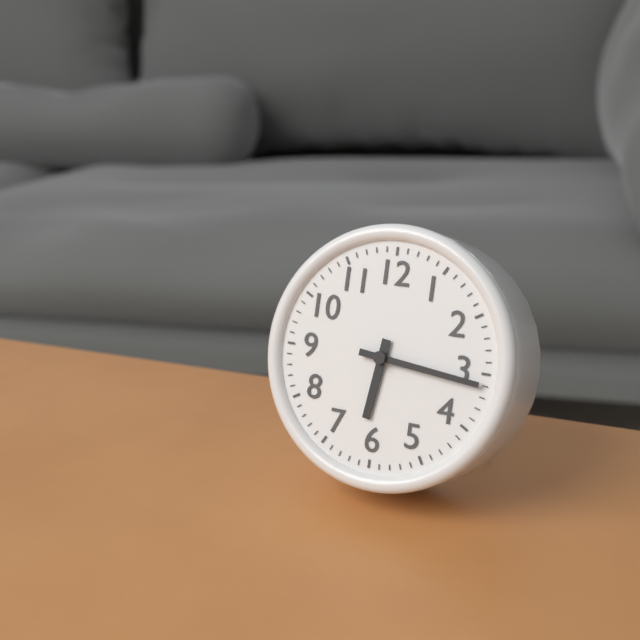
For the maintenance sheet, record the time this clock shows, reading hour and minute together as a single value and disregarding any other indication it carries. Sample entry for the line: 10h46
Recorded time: 6h16
